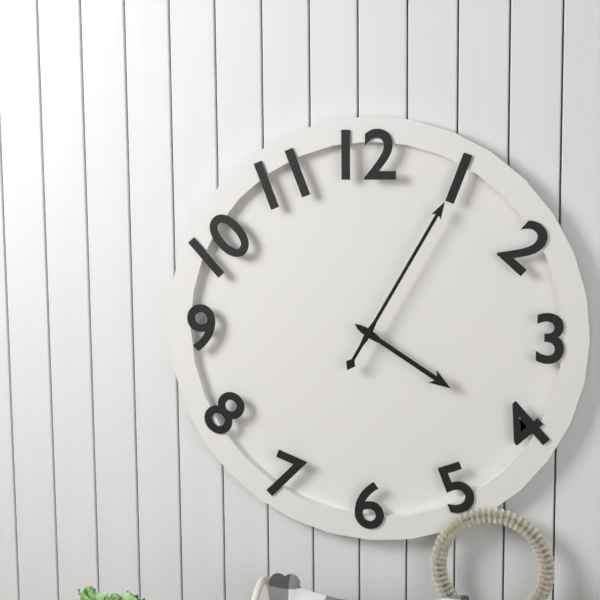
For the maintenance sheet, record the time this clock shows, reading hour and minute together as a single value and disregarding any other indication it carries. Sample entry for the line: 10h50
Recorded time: 4h05
